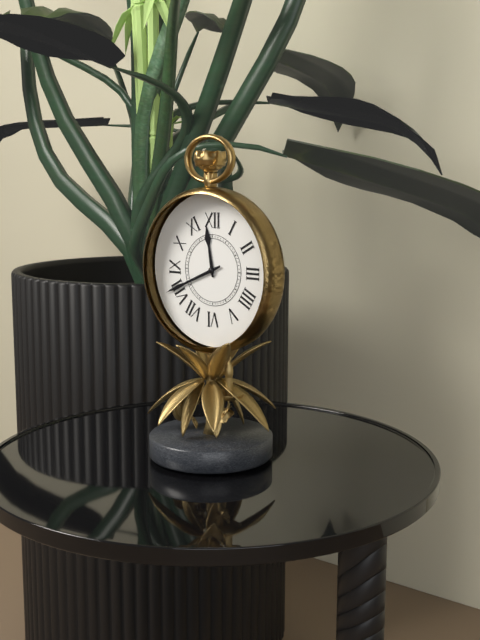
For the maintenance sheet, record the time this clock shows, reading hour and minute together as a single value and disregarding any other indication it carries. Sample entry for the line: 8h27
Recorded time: 11h41
